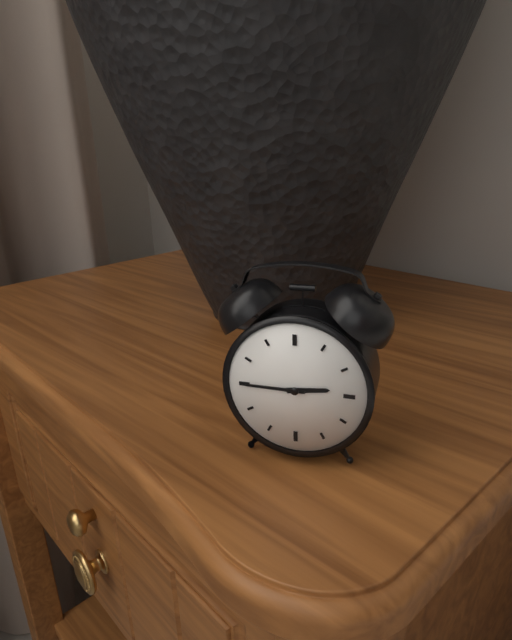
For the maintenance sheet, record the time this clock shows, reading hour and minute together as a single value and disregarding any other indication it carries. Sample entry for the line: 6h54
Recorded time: 2h45
